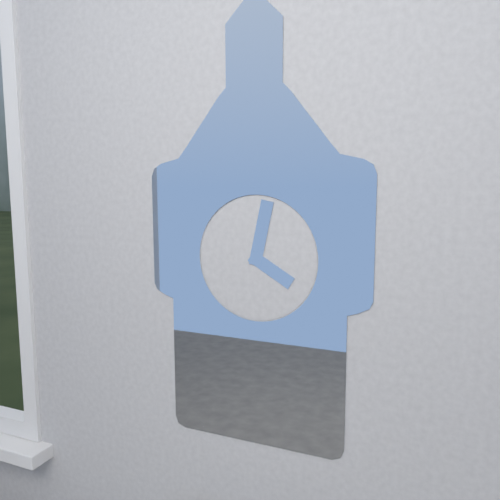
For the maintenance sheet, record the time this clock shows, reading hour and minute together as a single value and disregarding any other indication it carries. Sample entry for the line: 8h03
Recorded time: 4h02
